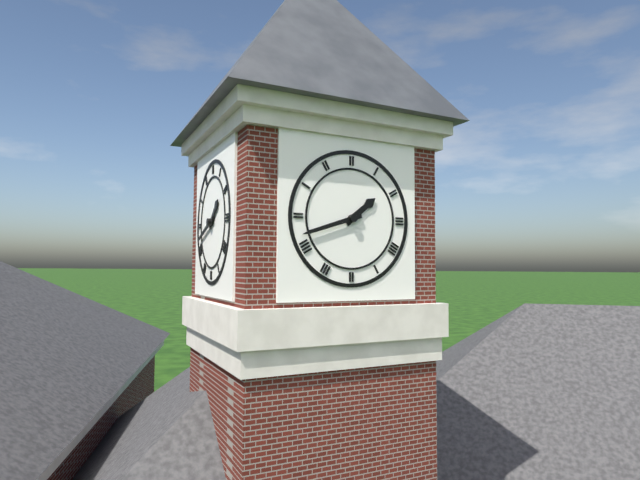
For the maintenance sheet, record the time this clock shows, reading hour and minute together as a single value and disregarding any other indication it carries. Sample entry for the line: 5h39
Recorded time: 1h42
